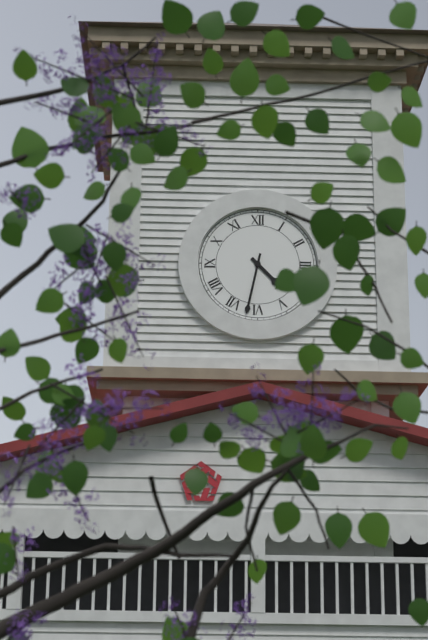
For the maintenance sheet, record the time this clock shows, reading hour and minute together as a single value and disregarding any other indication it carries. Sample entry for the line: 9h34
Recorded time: 4h32
